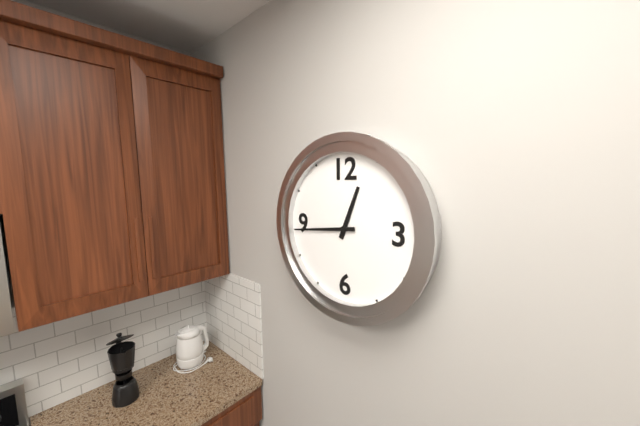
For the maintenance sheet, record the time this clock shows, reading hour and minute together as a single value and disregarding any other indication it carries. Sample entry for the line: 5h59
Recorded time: 12h44
